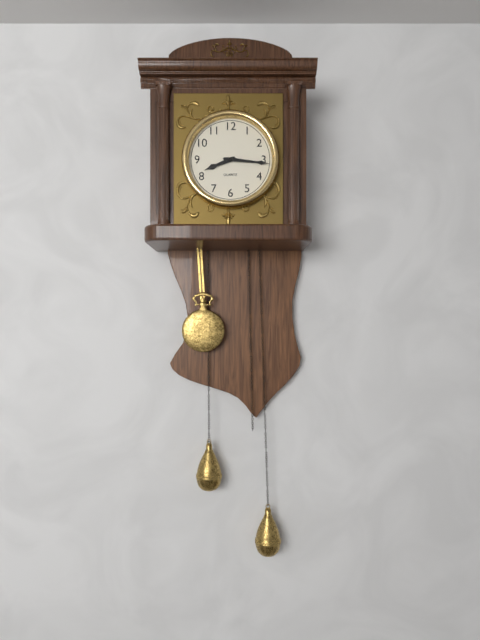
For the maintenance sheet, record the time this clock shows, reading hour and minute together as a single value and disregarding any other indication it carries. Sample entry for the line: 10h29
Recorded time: 8h16
